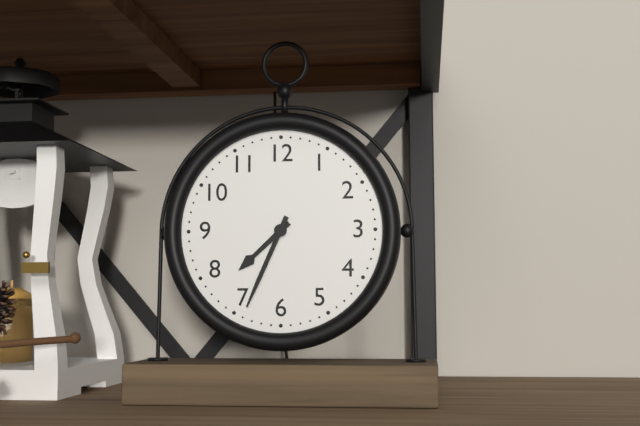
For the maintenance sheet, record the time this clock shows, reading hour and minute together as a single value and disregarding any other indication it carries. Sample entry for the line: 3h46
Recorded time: 7h34
